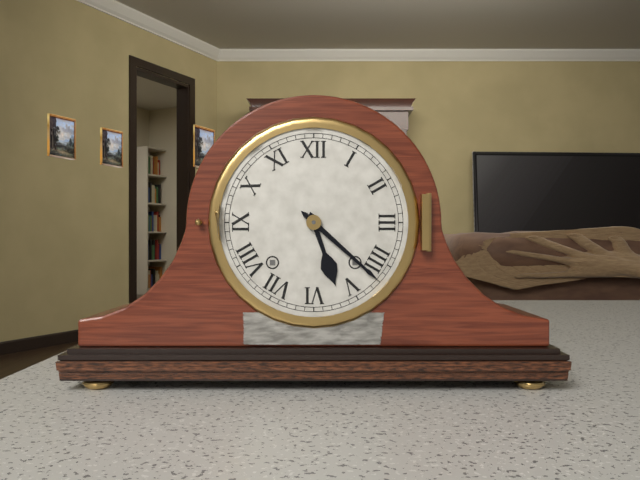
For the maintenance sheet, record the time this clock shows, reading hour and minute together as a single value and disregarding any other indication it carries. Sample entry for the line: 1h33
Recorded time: 5h22
